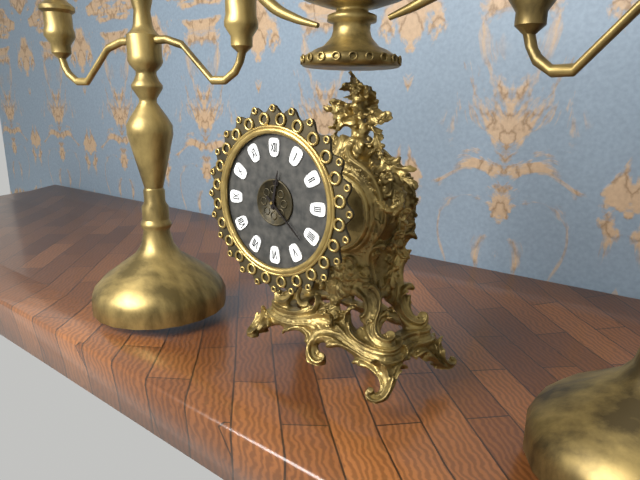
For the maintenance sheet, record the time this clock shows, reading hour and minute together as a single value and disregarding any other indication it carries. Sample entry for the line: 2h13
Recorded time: 12h22
